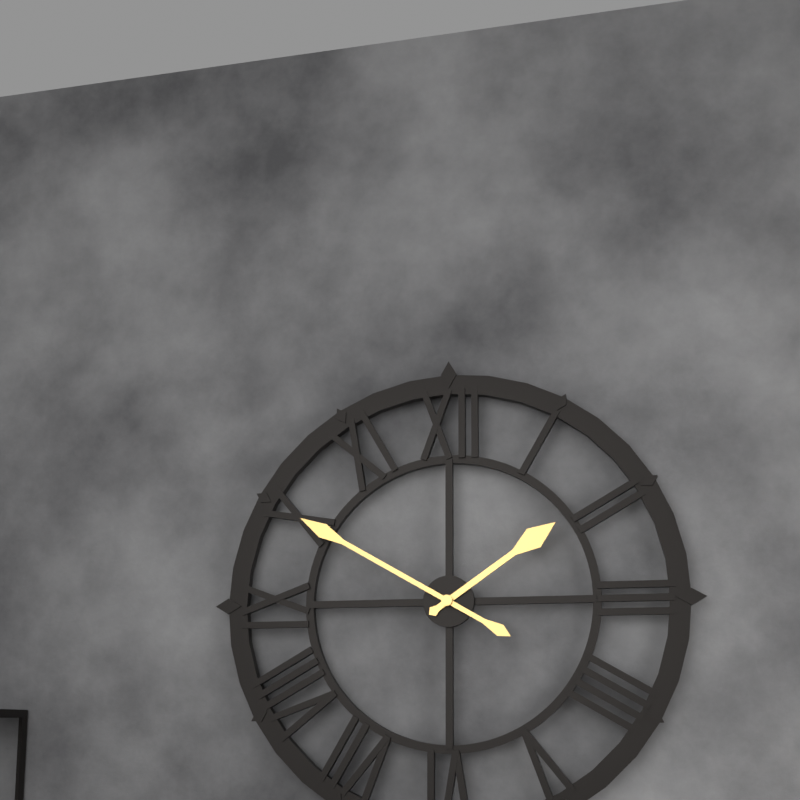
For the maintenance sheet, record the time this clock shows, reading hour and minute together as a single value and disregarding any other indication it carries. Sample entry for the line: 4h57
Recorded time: 1h50
